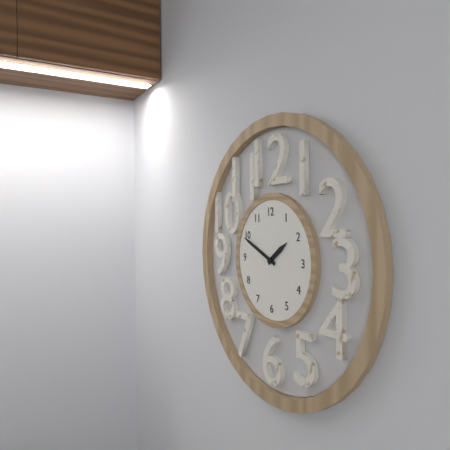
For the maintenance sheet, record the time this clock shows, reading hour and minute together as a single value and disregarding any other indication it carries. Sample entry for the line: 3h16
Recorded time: 1h49
